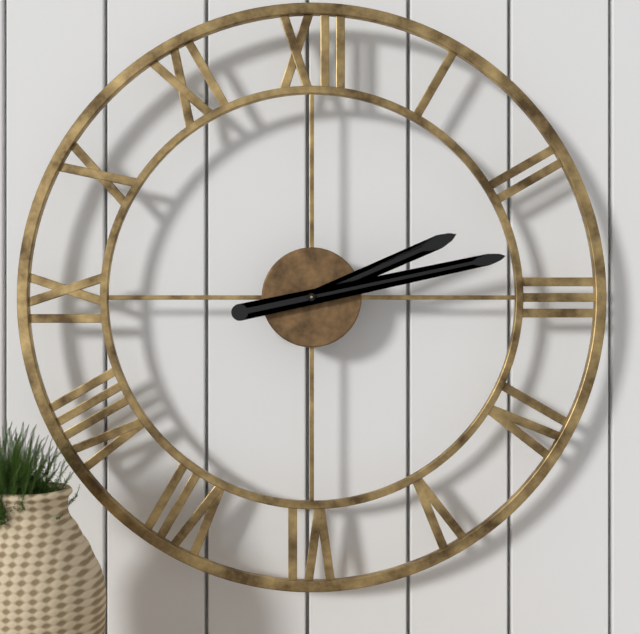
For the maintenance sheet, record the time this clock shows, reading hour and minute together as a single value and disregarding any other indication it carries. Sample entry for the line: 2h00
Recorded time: 2h13
